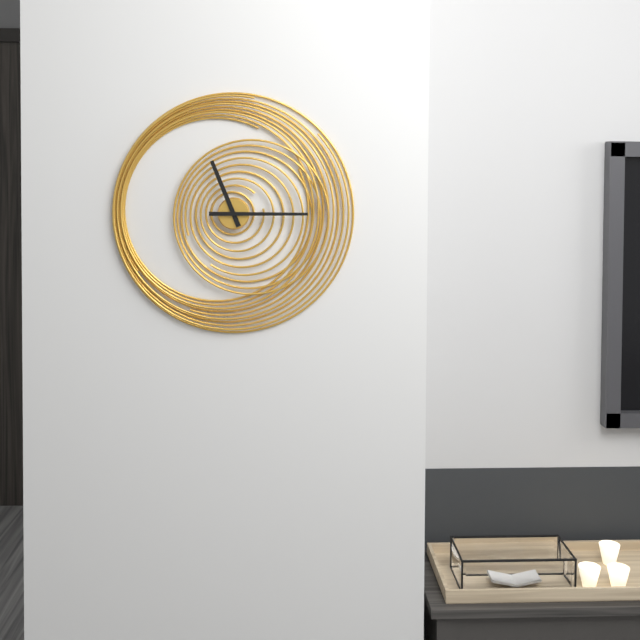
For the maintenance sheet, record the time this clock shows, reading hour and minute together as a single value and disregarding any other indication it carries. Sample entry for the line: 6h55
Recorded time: 11h15
